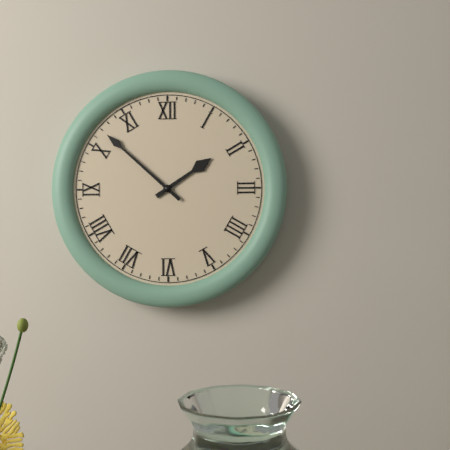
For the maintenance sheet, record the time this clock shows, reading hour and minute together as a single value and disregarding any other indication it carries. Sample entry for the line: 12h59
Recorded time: 1h52
